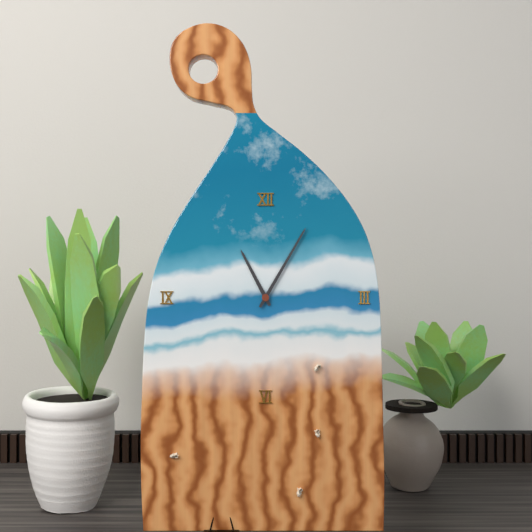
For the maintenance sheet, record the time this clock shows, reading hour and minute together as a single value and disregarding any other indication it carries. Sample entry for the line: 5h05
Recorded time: 11h05
